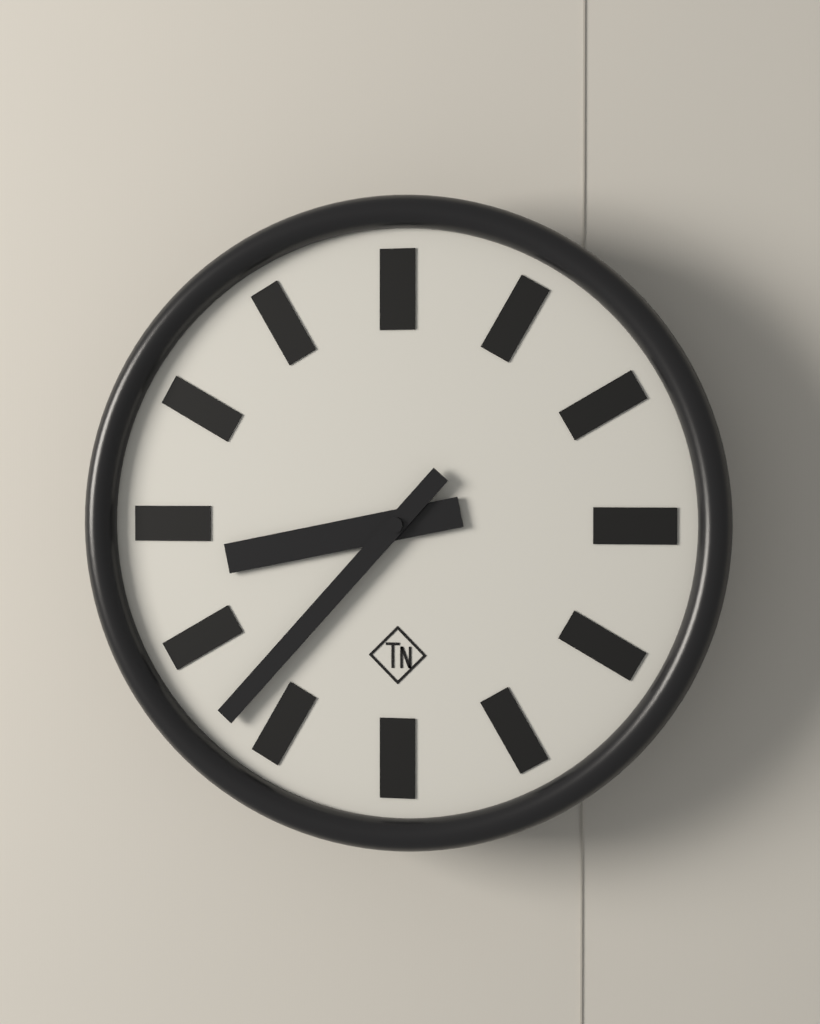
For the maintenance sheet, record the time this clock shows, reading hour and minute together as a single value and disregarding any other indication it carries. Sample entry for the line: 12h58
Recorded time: 8h37
